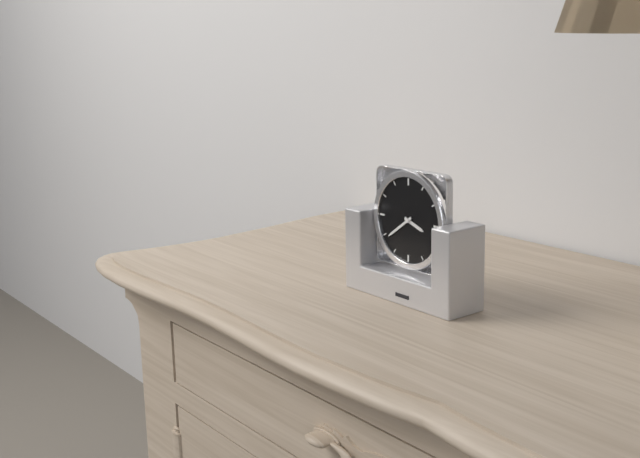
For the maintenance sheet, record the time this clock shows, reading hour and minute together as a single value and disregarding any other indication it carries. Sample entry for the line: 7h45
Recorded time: 3h39
